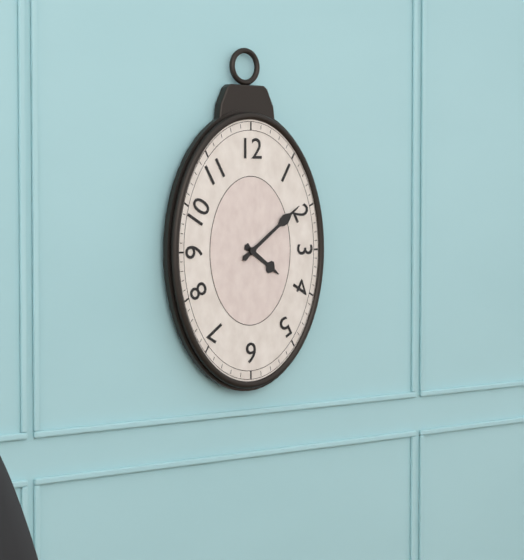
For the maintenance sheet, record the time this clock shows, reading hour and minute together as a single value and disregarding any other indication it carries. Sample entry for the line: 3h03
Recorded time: 4h09
